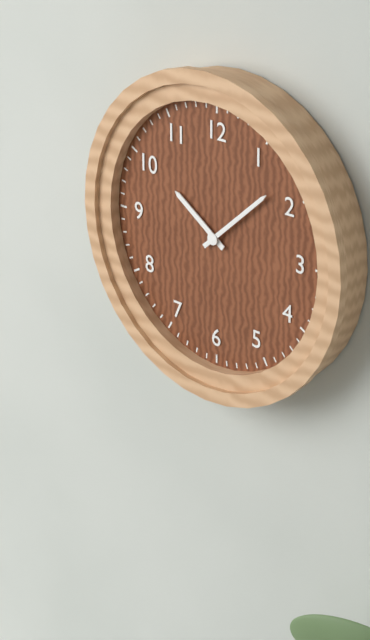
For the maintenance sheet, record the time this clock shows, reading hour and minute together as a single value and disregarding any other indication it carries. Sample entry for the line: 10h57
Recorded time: 10h08
